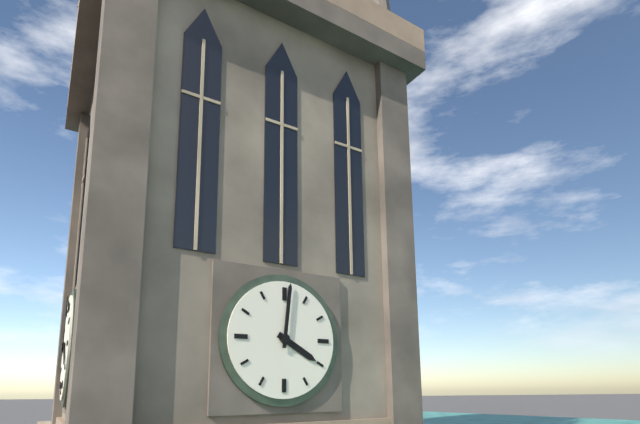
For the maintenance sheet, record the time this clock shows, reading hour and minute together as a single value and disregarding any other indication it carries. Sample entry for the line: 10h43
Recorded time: 4h01
